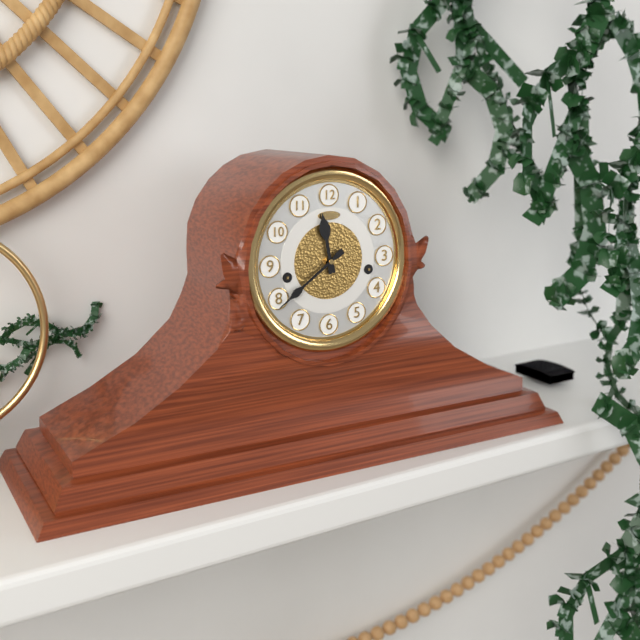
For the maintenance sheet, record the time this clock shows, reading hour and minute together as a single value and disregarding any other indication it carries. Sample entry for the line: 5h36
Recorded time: 11h39
